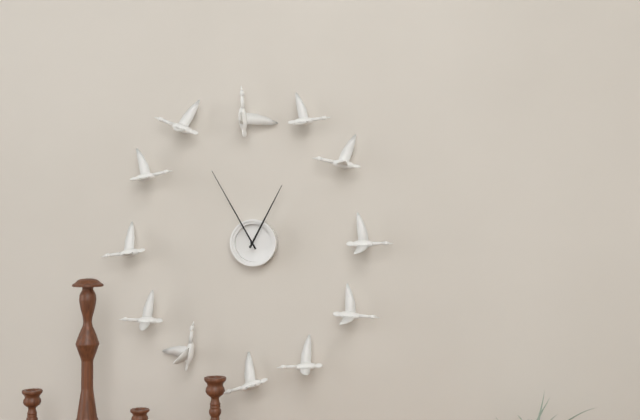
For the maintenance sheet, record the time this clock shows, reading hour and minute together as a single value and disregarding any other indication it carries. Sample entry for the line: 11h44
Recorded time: 12h55
